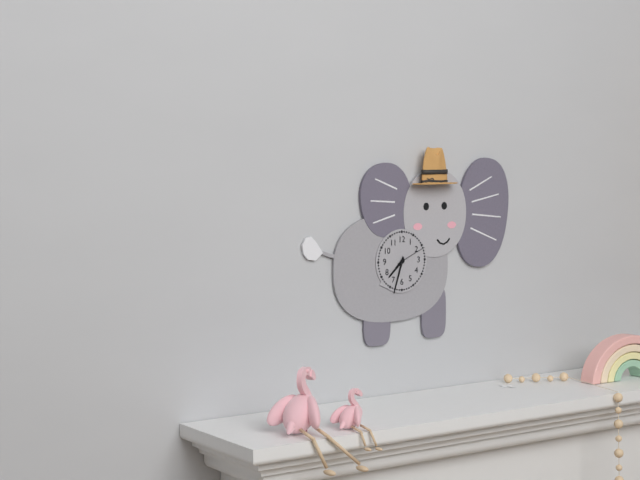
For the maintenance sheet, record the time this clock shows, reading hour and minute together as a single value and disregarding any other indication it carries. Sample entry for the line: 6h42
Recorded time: 7h33
